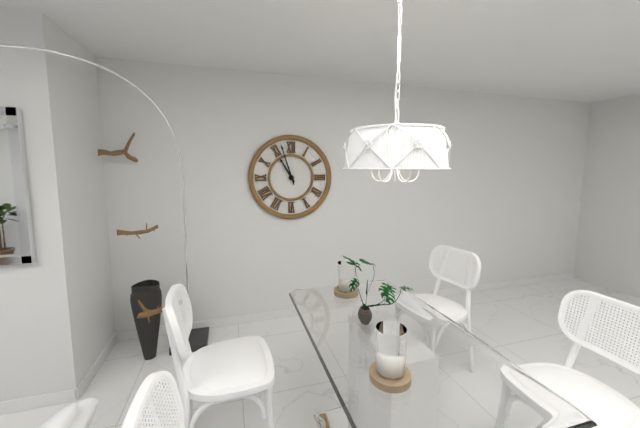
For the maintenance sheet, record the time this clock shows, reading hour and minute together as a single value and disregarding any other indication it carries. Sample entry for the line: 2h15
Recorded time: 10h57
